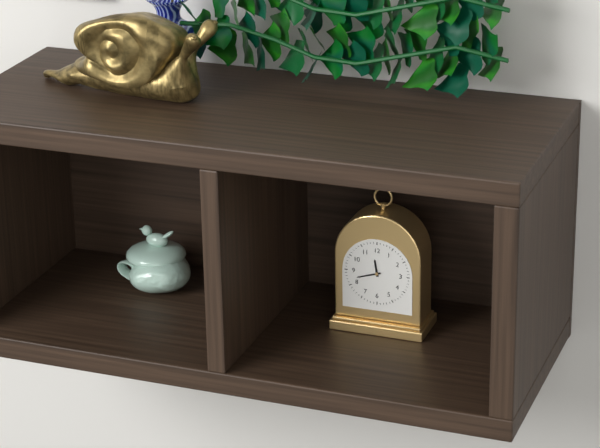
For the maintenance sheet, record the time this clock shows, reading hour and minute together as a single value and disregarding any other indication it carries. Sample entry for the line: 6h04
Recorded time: 11h42
